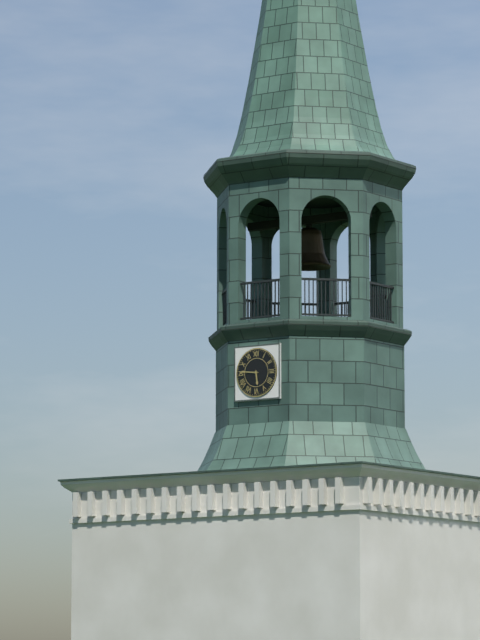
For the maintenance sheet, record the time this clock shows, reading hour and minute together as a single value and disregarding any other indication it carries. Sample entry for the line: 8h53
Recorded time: 5h46
